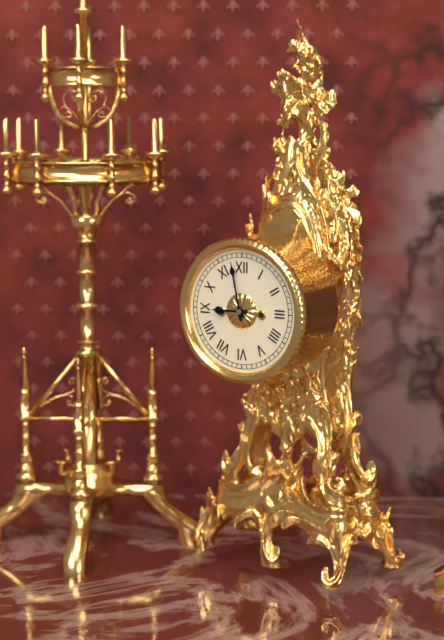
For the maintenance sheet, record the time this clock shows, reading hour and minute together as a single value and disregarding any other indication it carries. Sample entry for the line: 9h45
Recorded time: 8h58
